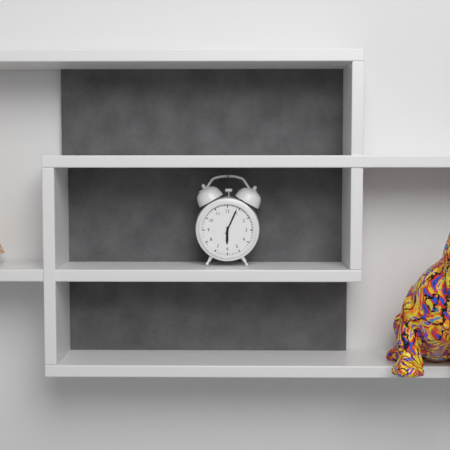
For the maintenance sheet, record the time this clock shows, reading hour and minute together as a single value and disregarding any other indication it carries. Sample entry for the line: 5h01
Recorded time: 6h04
